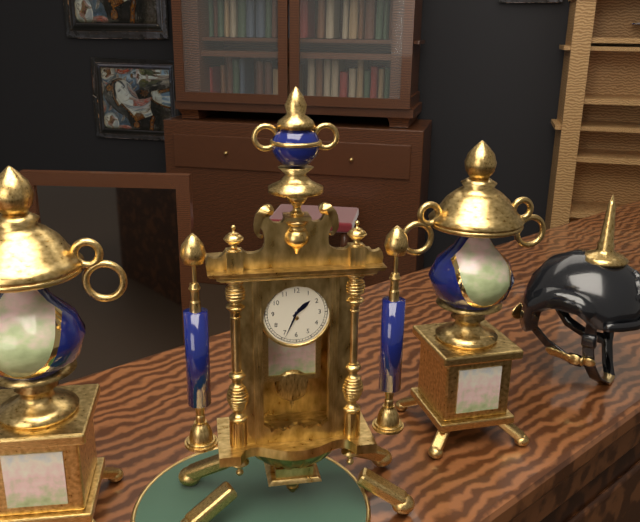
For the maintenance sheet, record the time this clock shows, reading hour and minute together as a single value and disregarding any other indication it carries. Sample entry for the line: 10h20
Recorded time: 1h34
